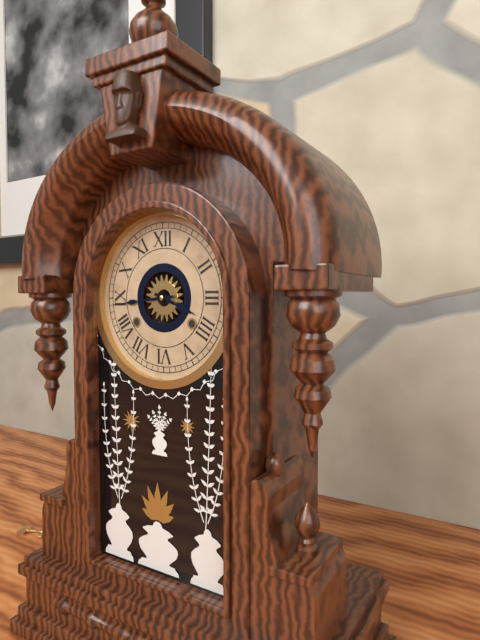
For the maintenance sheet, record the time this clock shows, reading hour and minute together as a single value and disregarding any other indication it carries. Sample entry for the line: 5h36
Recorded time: 3h44
